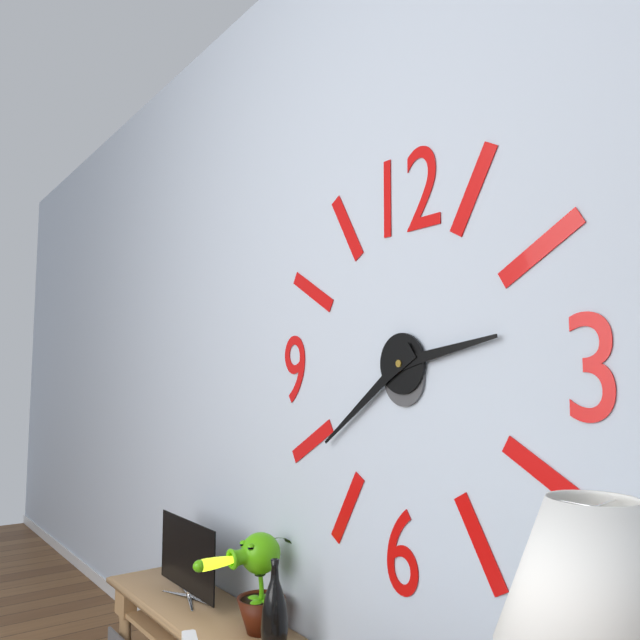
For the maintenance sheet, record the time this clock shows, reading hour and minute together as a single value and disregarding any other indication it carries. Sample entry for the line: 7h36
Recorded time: 2h39
